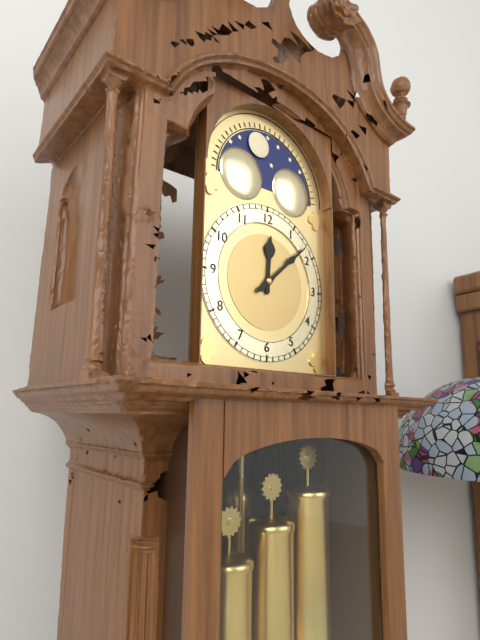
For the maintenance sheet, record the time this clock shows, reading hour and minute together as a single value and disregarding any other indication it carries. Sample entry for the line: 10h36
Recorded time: 12h08
